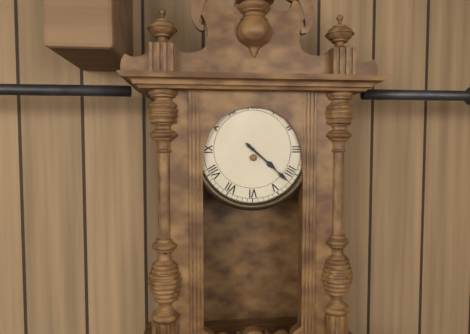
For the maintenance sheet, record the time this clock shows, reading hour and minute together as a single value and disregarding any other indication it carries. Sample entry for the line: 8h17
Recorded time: 4h22
